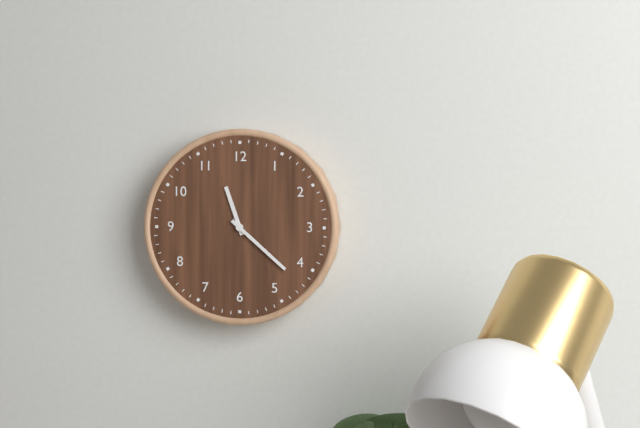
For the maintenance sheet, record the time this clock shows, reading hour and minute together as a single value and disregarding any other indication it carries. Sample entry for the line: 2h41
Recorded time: 11h22
